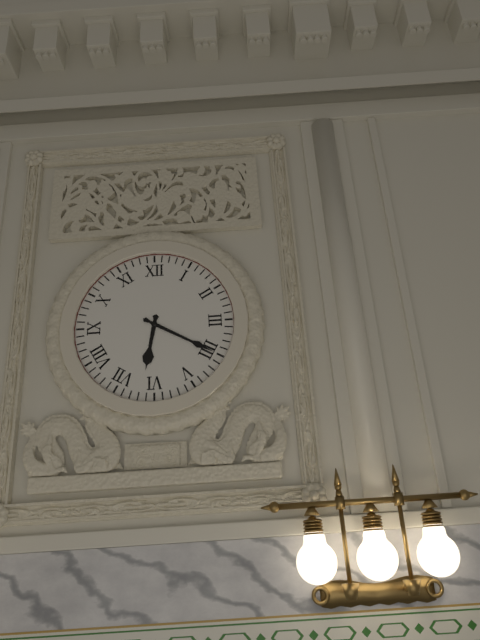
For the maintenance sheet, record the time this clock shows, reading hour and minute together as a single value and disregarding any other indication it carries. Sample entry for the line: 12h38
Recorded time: 6h20
